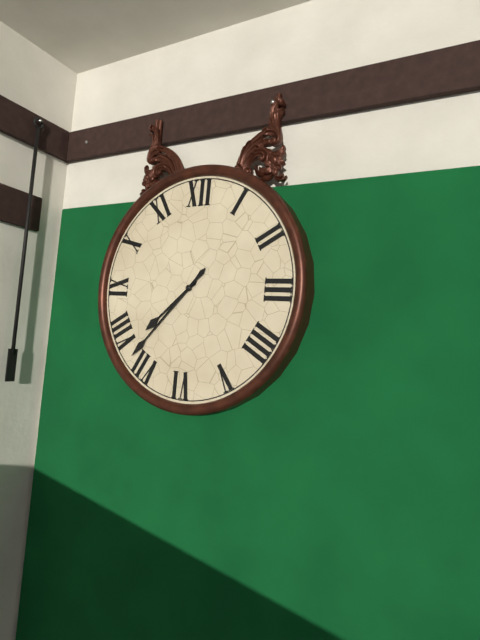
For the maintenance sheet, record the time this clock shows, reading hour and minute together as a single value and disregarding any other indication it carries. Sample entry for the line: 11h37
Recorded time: 7h37
